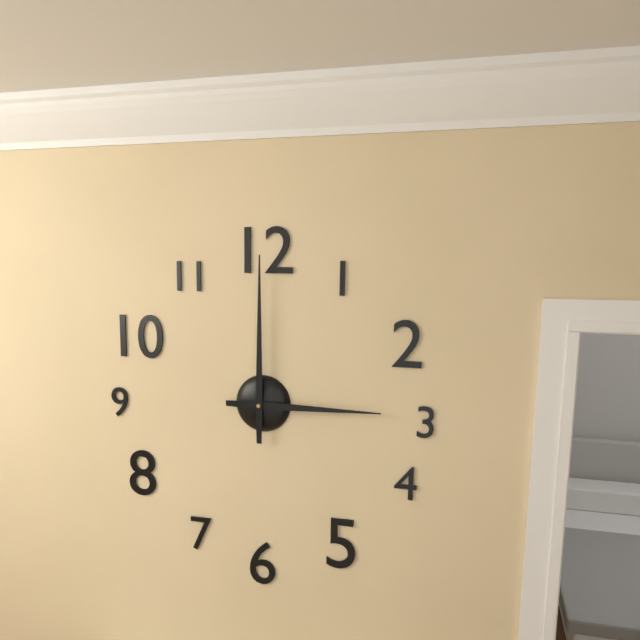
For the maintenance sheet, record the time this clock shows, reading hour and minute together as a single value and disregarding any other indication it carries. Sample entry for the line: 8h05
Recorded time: 3h00
